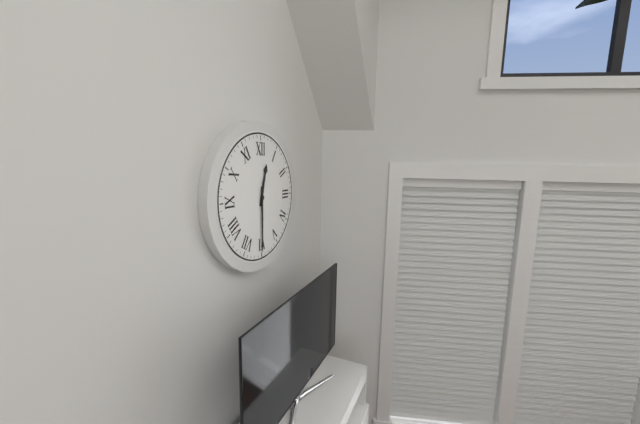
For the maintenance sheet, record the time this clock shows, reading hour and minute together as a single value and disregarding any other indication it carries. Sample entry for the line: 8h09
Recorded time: 12h30
